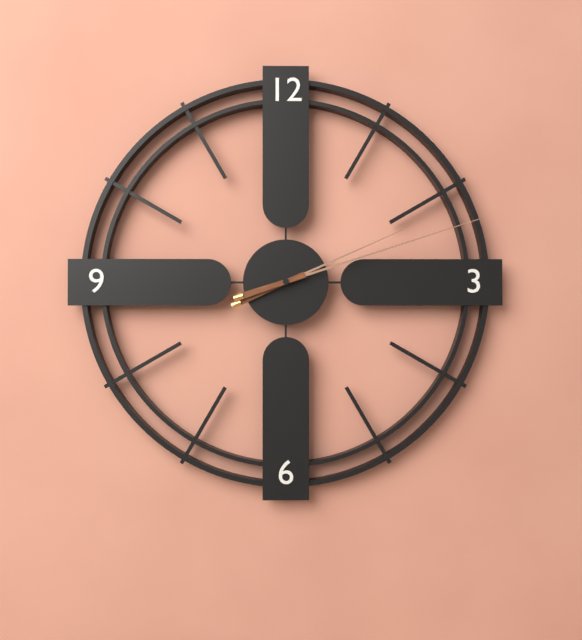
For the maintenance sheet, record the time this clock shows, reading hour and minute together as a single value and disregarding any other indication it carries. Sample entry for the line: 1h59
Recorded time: 2h12
